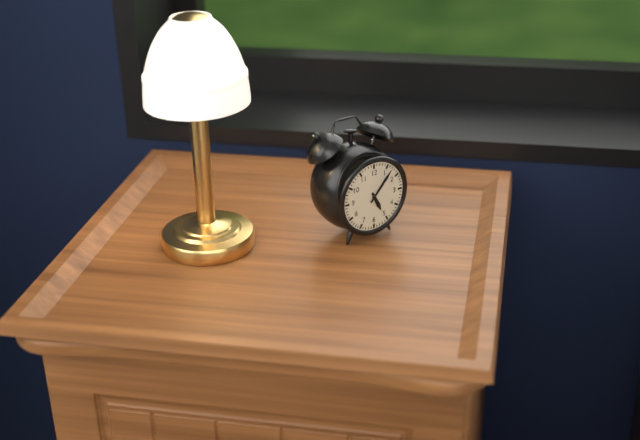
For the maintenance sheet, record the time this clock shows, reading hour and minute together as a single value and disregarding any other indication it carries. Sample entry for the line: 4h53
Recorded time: 5h07
